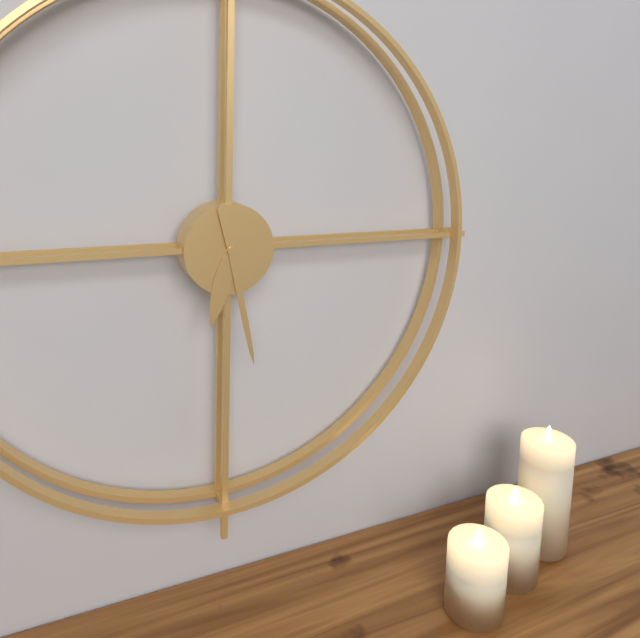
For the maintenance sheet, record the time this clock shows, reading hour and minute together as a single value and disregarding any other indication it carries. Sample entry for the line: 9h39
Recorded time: 6h28
